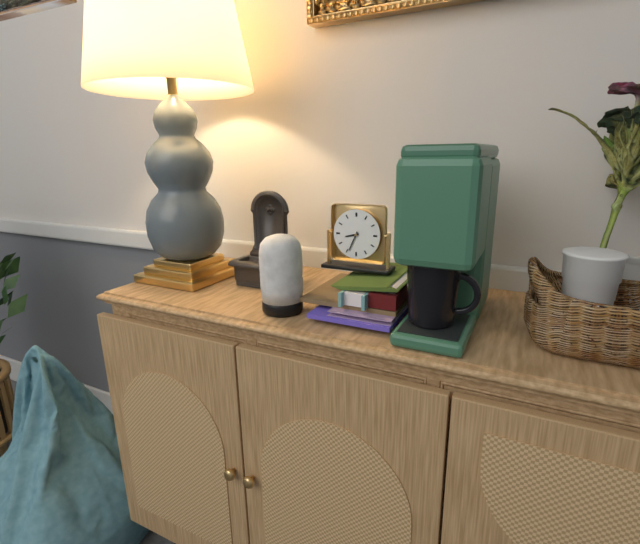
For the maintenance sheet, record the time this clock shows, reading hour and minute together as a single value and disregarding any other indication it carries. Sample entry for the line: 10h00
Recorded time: 8h34
